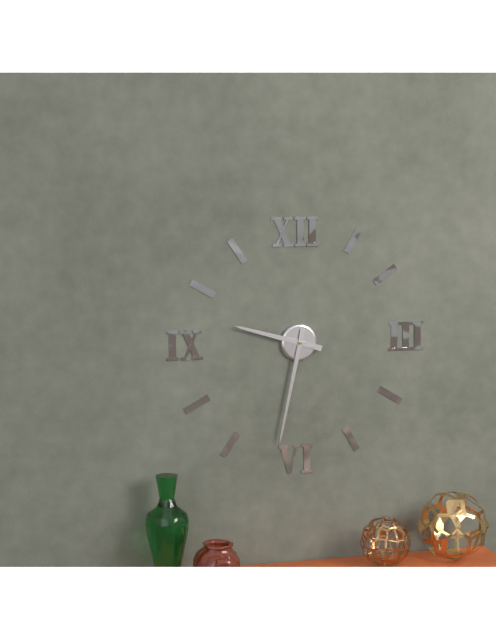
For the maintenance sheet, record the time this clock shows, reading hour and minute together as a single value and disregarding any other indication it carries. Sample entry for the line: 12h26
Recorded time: 9h32
